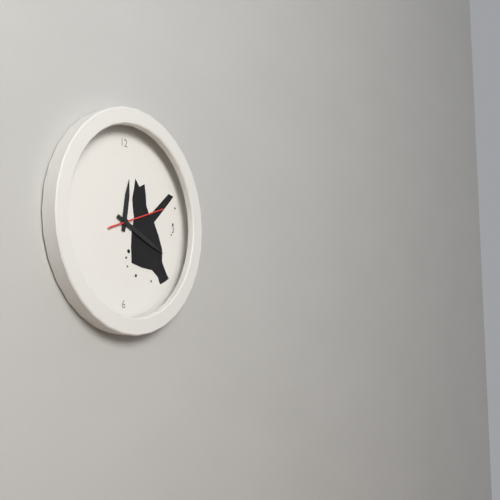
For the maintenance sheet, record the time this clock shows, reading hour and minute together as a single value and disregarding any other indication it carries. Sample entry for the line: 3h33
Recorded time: 12h19
